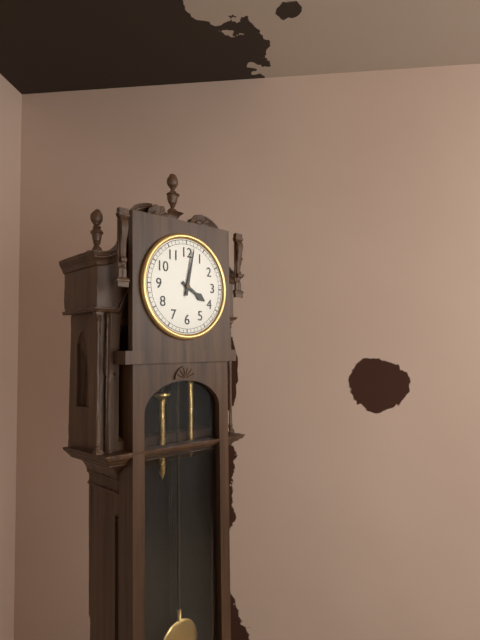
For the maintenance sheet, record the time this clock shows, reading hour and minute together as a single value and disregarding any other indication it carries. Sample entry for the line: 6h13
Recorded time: 4h02
